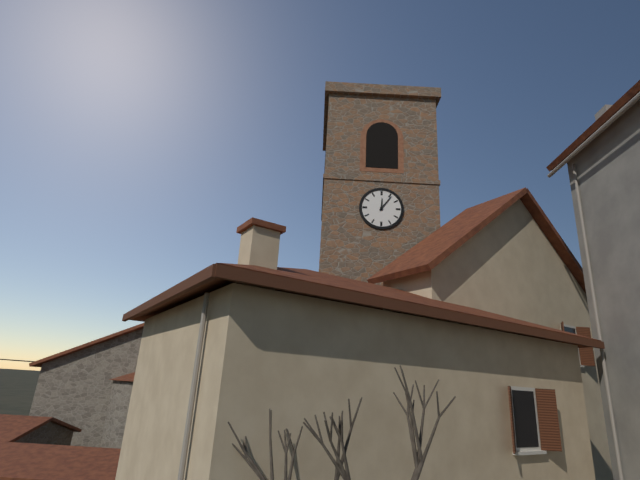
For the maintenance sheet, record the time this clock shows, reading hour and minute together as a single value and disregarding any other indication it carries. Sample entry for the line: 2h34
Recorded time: 12h06
